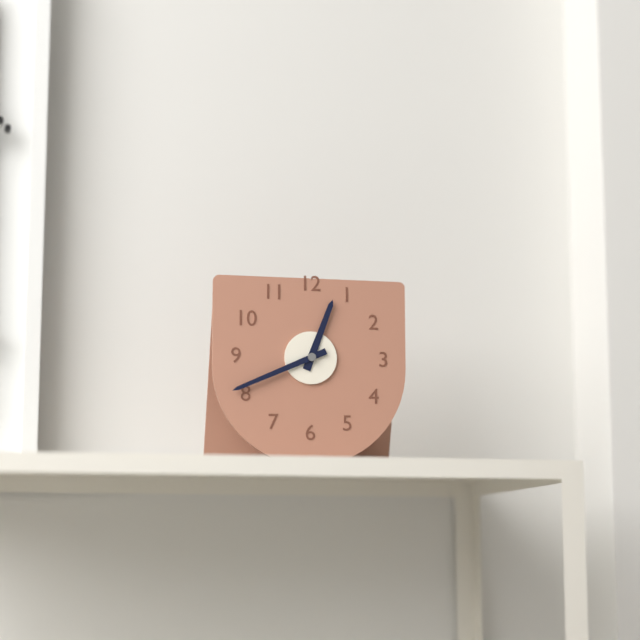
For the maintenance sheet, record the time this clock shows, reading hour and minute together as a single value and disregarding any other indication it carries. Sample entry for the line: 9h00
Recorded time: 12h41
